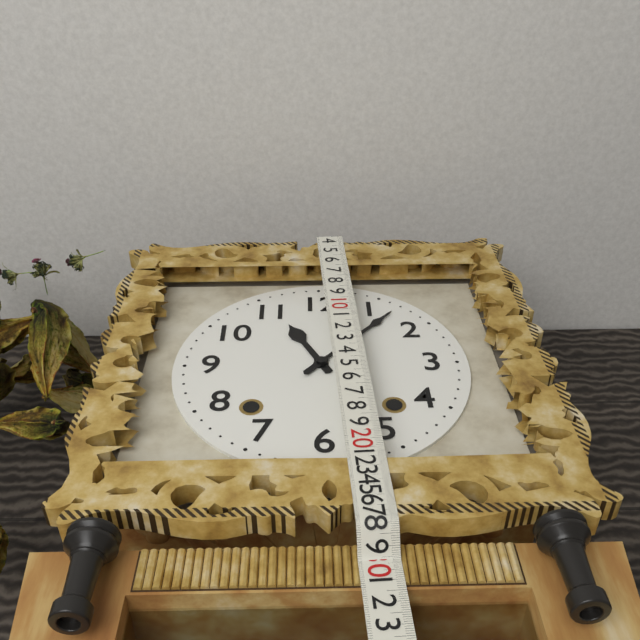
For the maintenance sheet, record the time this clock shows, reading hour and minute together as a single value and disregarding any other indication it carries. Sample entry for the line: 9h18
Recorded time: 11h07
